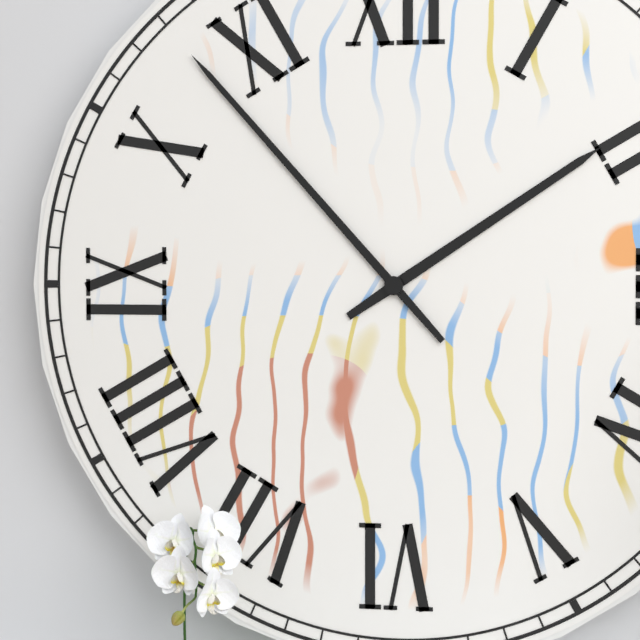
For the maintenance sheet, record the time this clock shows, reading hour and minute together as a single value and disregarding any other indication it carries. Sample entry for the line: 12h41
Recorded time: 1h53
